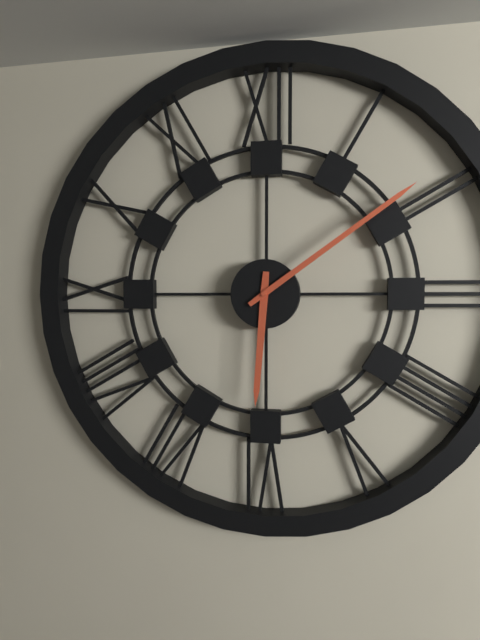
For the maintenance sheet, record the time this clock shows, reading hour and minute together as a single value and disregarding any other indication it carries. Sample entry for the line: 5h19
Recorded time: 6h09
